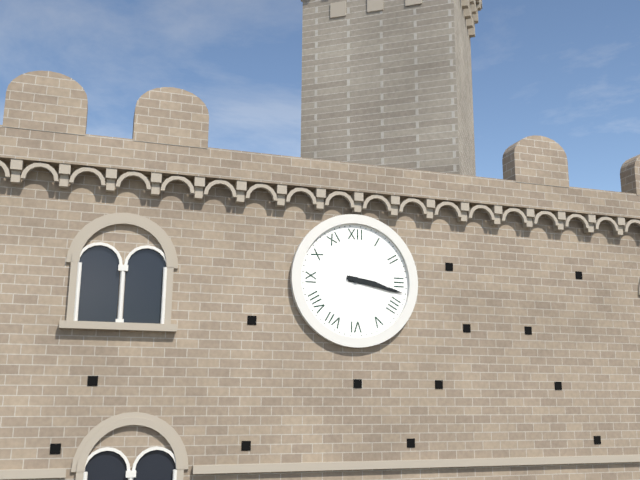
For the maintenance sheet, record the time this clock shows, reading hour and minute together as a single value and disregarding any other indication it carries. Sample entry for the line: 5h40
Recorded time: 3h17
